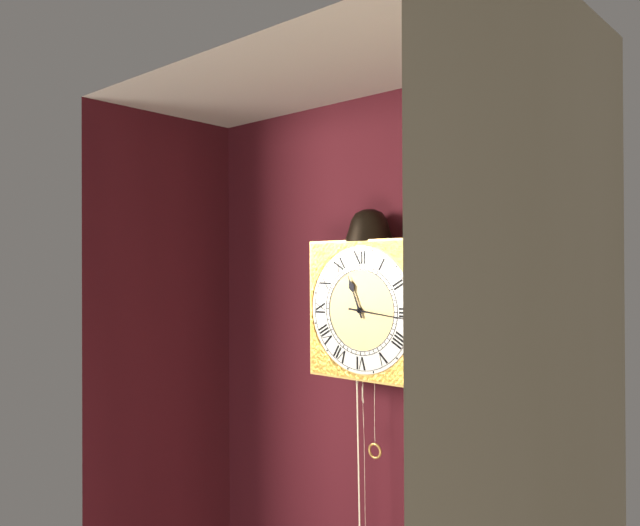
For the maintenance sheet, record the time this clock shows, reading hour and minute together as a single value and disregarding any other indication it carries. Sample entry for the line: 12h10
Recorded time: 11h16
